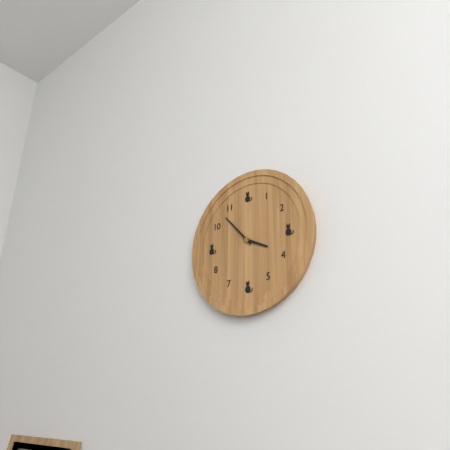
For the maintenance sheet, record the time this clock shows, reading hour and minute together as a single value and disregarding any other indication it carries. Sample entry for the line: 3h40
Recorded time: 3h53
